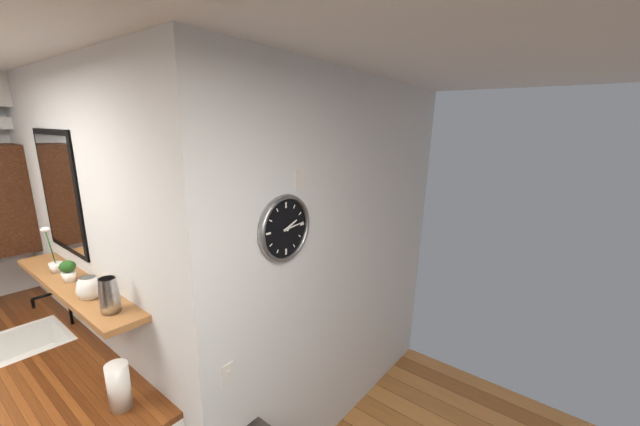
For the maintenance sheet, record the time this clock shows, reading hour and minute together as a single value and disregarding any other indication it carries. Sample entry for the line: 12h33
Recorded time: 2h14
